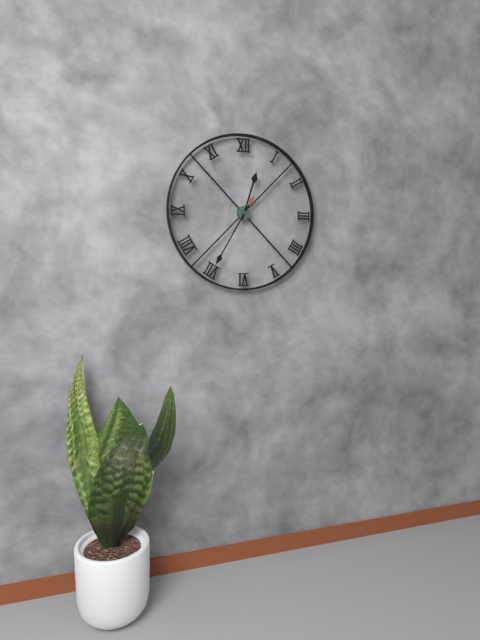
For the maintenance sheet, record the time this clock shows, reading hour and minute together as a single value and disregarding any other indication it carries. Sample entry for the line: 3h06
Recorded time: 12h35
